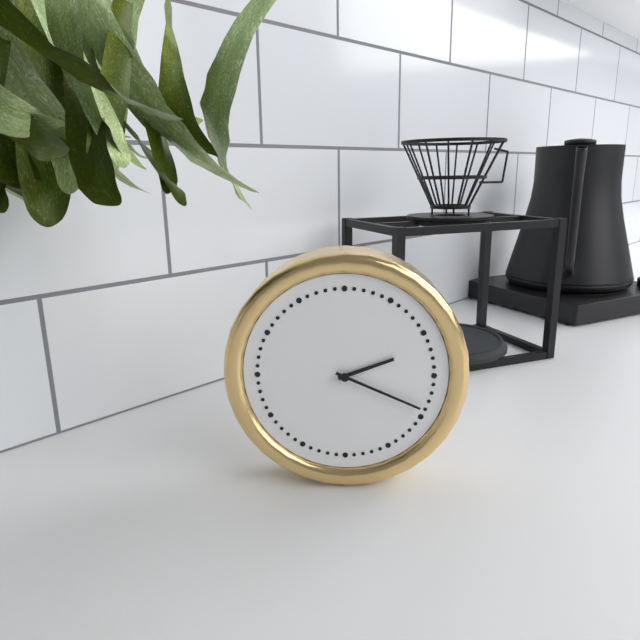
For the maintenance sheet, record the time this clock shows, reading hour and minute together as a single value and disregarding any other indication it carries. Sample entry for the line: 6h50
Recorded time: 2h19
